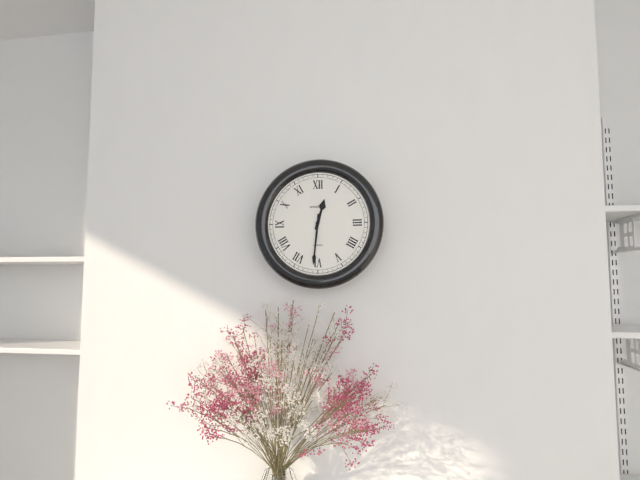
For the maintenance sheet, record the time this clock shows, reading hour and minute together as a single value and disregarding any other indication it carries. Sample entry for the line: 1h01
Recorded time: 12h31
